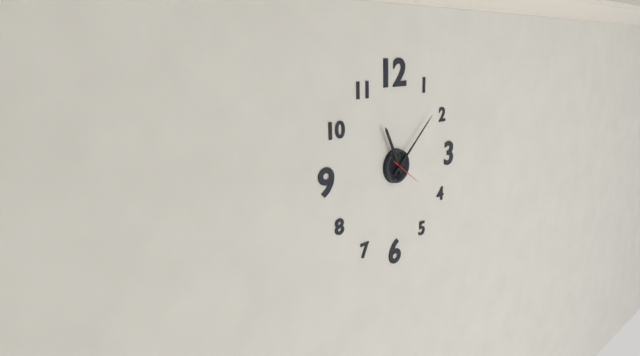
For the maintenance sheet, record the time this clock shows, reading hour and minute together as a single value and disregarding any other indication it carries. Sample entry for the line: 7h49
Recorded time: 11h08
